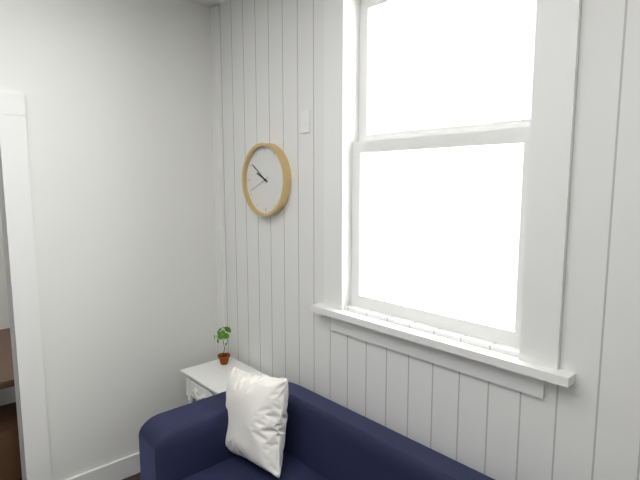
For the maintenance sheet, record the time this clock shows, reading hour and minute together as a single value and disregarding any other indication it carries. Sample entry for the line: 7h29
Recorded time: 9h51
